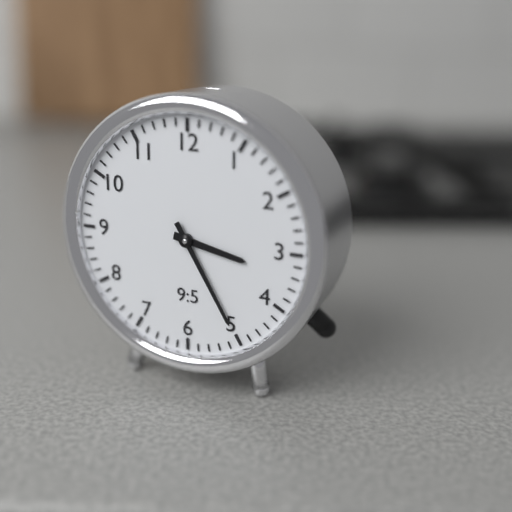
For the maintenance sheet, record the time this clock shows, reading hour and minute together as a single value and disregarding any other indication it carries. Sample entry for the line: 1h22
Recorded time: 3h25
